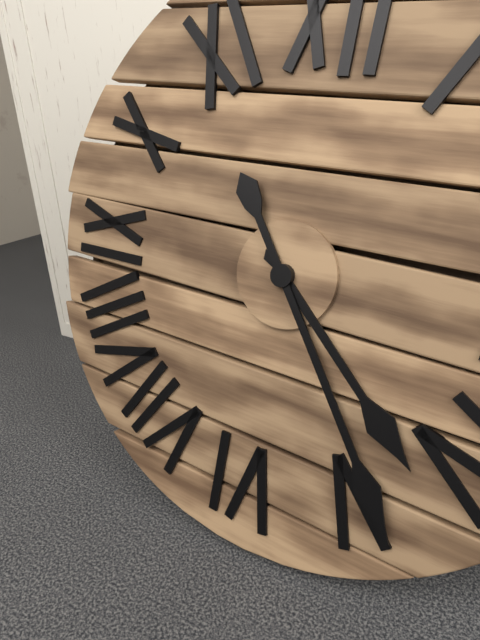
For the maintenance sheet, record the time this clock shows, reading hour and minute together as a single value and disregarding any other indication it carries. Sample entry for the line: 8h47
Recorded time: 4h24
